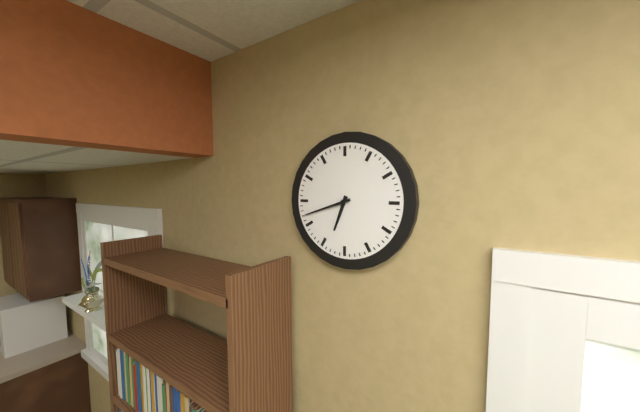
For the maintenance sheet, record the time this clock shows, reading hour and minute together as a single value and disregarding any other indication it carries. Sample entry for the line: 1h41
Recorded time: 6h42
